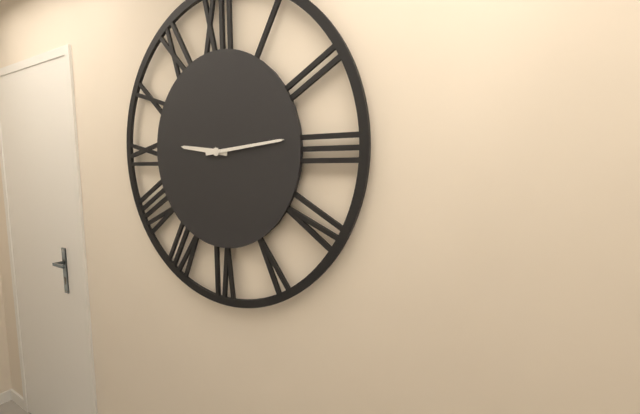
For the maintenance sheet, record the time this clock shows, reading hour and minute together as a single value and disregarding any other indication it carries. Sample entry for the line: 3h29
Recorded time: 9h14
